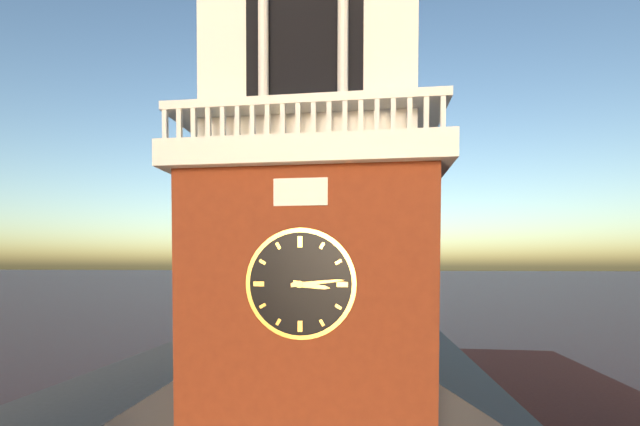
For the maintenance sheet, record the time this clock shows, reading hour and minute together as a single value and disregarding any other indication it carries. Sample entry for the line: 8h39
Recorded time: 3h14
